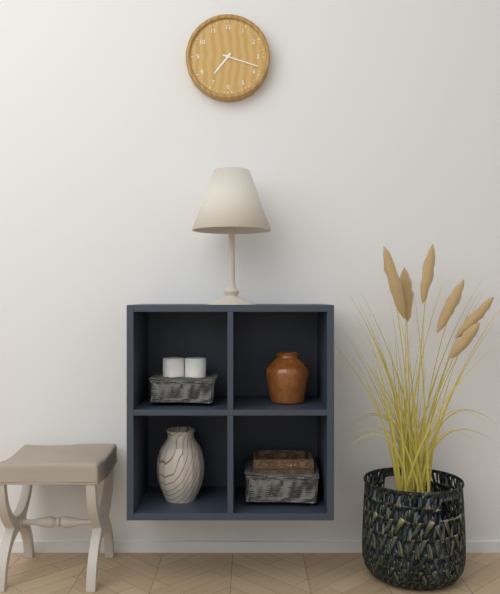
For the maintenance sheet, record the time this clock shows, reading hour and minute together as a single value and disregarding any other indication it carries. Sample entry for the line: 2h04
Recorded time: 7h18
